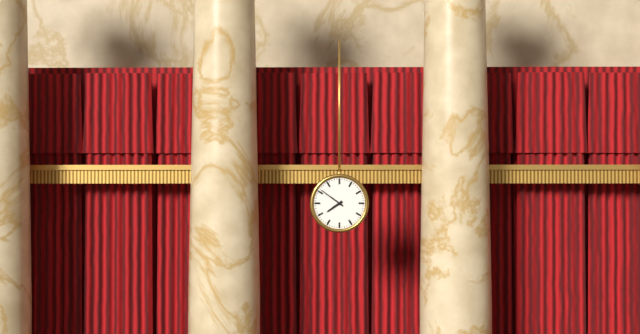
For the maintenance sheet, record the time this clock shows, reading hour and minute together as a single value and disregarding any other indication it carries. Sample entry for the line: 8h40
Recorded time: 7h51
